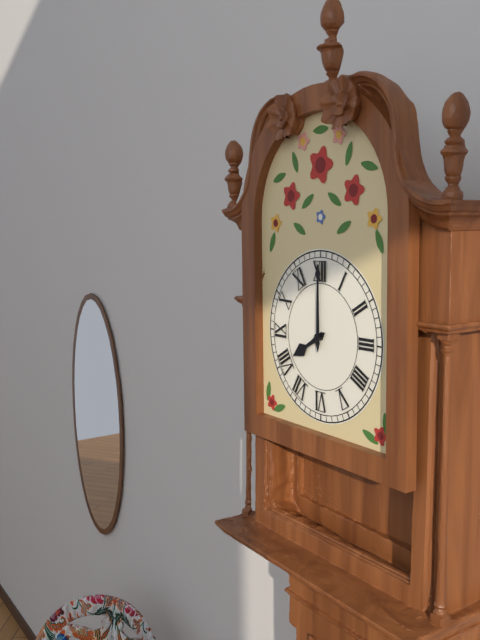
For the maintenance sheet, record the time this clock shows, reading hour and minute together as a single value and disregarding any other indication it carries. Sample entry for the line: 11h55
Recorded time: 8h00
